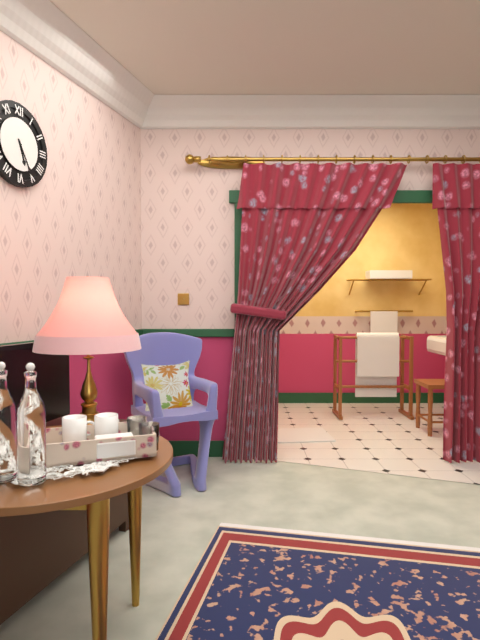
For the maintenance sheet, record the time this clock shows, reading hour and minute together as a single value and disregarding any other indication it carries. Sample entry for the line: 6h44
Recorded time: 5h25
